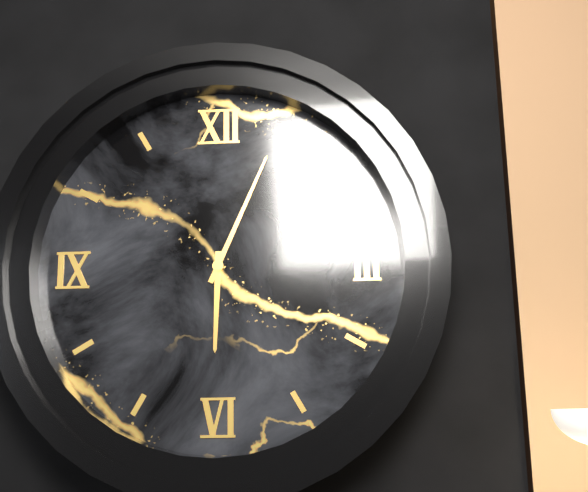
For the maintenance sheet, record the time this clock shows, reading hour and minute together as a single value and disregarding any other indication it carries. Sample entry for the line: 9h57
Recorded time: 6h04
